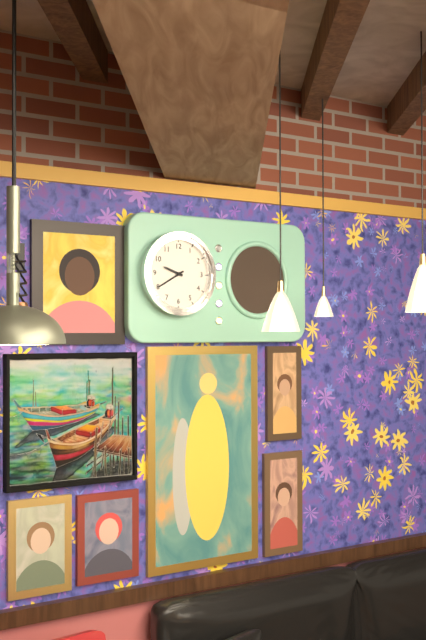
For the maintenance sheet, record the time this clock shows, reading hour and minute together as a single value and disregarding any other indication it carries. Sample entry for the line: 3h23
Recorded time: 9h40
